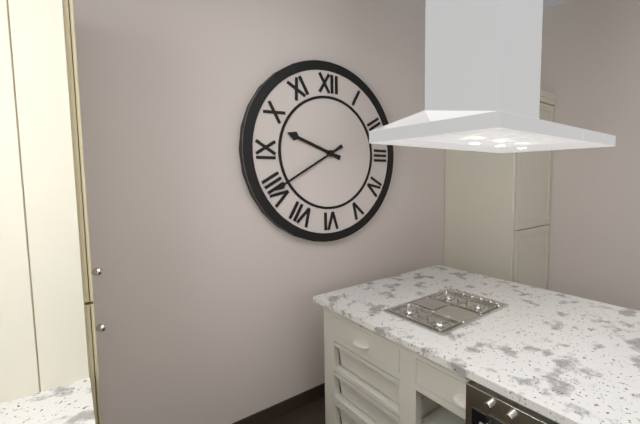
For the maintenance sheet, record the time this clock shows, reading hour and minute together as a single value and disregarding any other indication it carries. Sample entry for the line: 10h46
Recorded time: 9h40
